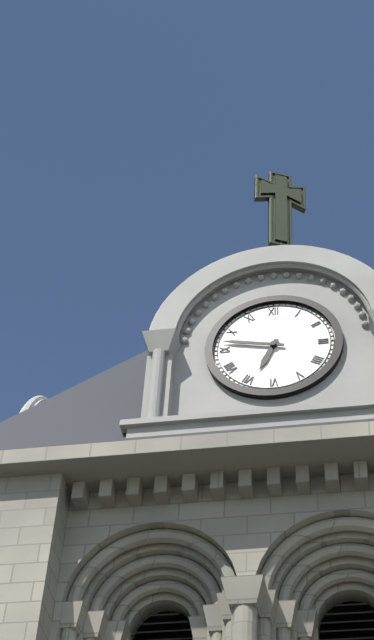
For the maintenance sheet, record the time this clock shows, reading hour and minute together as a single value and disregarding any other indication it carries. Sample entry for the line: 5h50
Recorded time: 6h47
